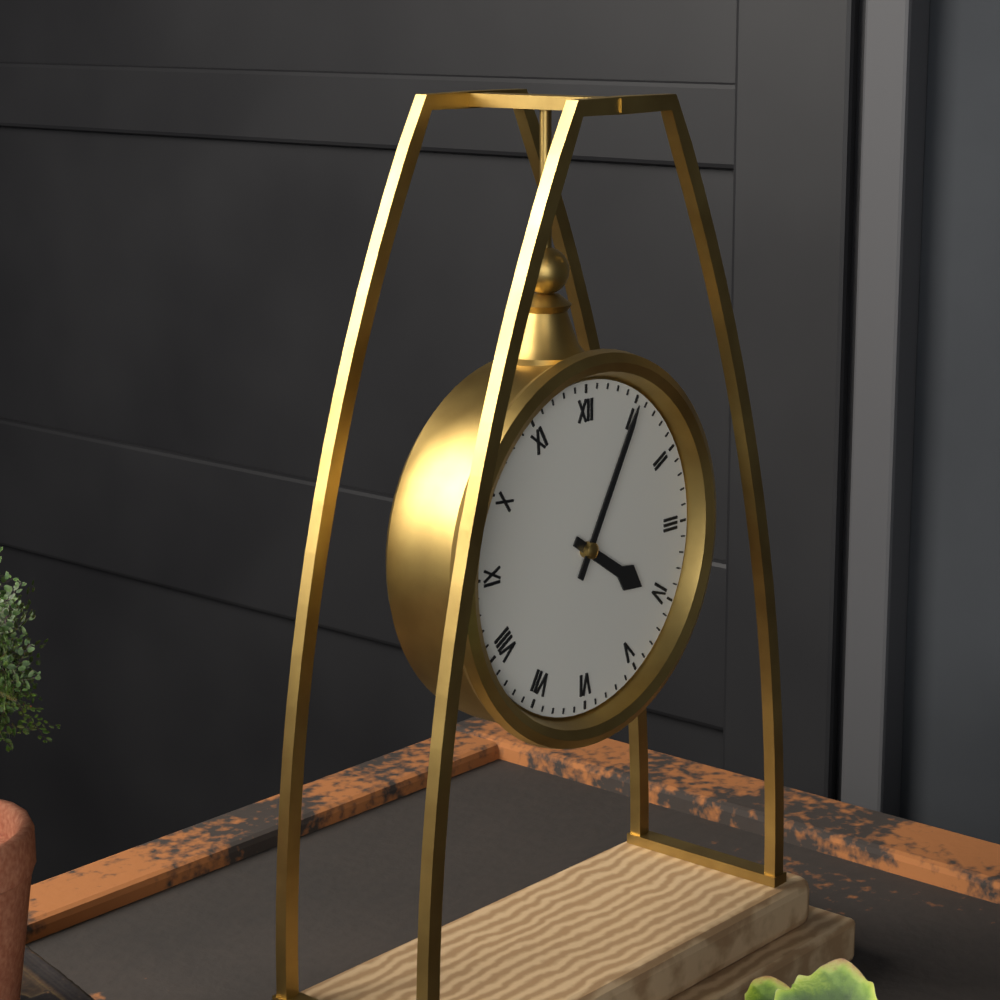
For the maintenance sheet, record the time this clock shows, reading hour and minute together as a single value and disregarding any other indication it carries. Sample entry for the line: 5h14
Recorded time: 4h05
